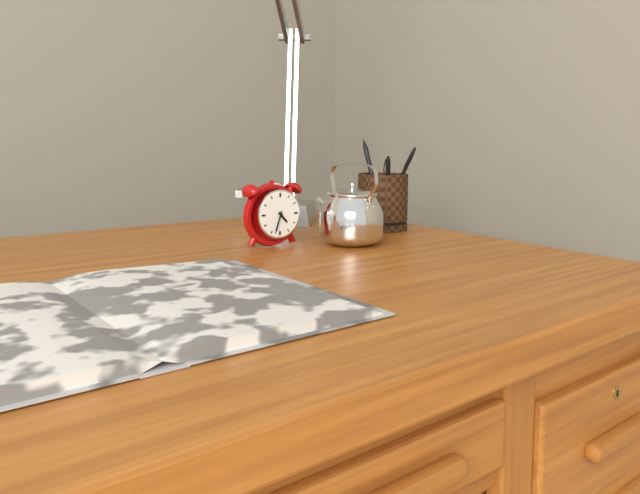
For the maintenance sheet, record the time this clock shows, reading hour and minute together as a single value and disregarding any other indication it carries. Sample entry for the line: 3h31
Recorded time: 4h33
